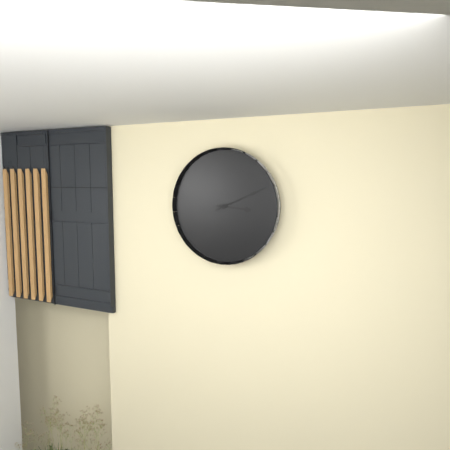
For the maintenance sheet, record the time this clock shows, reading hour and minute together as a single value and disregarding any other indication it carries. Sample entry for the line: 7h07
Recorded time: 3h11
